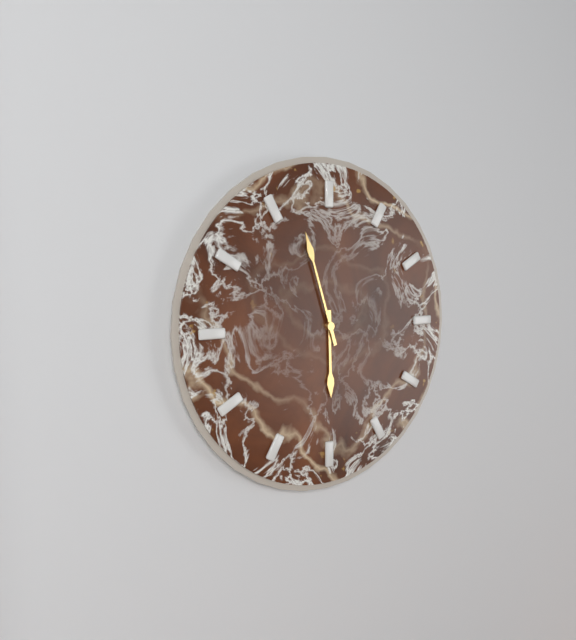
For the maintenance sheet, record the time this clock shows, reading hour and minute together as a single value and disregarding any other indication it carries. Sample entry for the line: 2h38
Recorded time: 5h57
